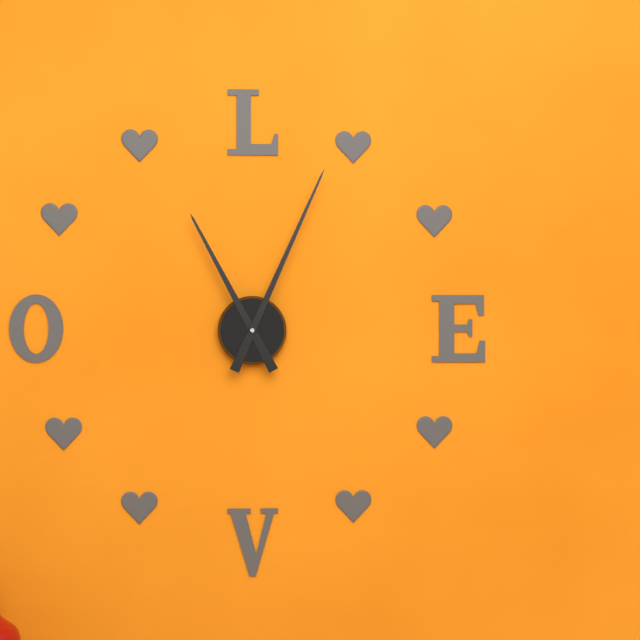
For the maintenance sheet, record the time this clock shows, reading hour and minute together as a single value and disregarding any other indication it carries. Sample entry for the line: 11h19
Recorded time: 11h04
